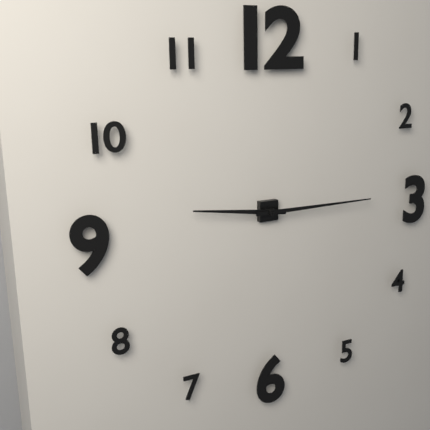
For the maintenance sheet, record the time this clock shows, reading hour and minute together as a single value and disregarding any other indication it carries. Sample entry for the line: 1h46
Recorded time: 9h15
